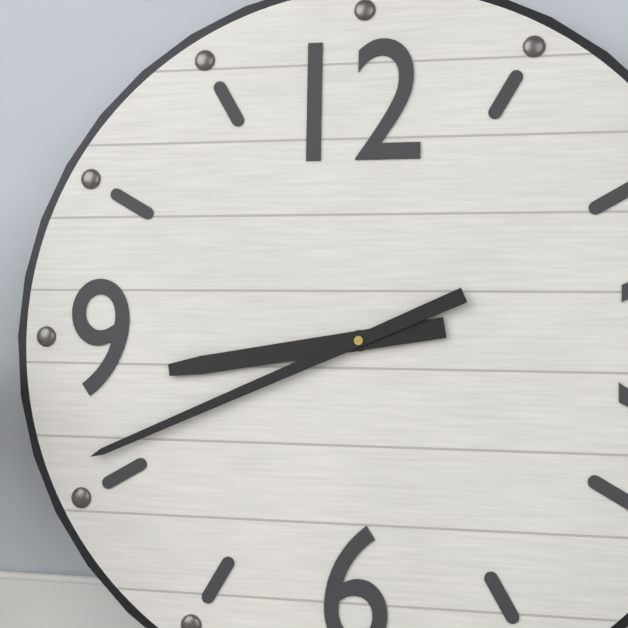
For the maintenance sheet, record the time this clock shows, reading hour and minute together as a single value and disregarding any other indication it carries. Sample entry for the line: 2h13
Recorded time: 8h41
